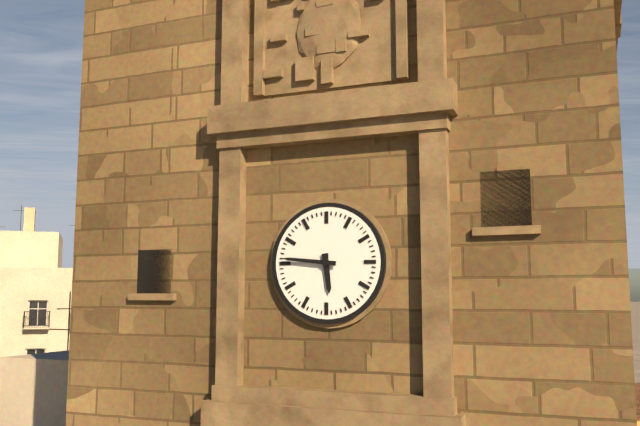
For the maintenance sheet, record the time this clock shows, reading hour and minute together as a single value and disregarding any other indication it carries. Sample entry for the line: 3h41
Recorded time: 5h46
